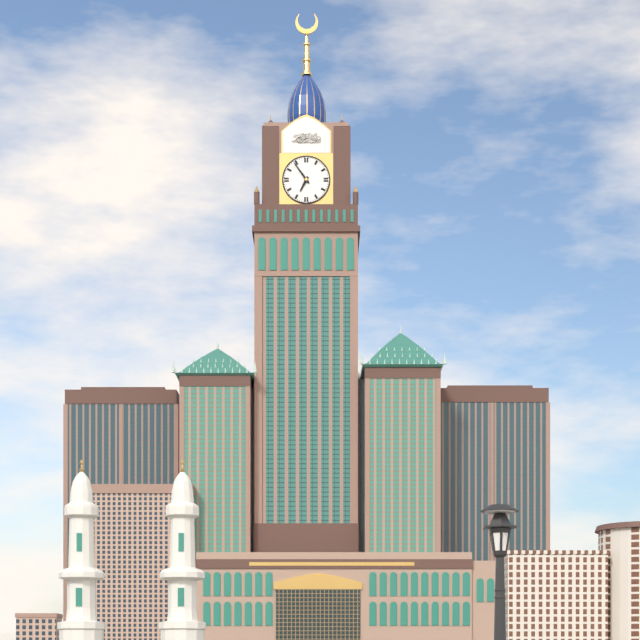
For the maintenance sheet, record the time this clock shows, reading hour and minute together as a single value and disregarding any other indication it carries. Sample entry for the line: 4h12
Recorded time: 6h54
